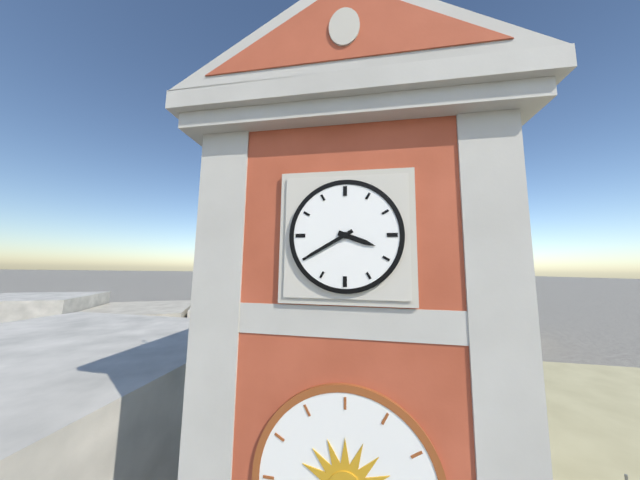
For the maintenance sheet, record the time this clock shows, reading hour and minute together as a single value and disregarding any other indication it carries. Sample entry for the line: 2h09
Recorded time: 3h40
